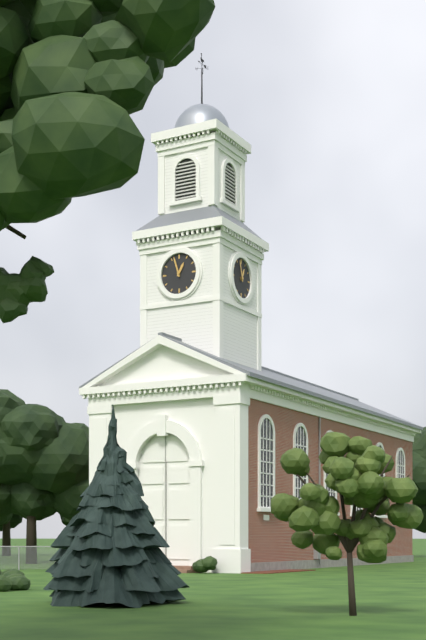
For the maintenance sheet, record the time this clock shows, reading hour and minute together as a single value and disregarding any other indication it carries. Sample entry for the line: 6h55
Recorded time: 12h57
